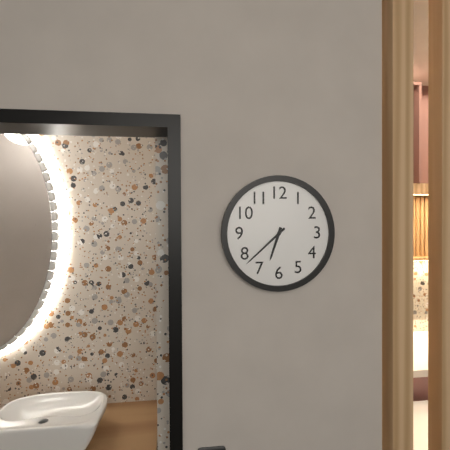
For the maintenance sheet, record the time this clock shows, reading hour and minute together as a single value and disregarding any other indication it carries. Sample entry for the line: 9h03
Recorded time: 6h38
